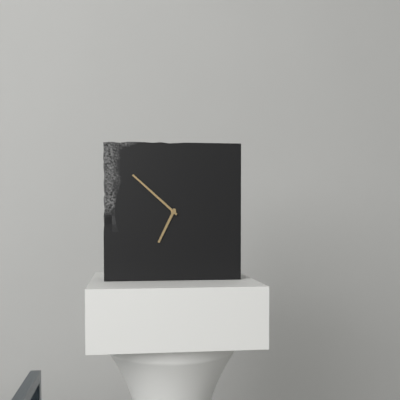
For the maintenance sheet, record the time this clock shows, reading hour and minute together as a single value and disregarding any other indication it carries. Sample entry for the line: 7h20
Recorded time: 6h52
